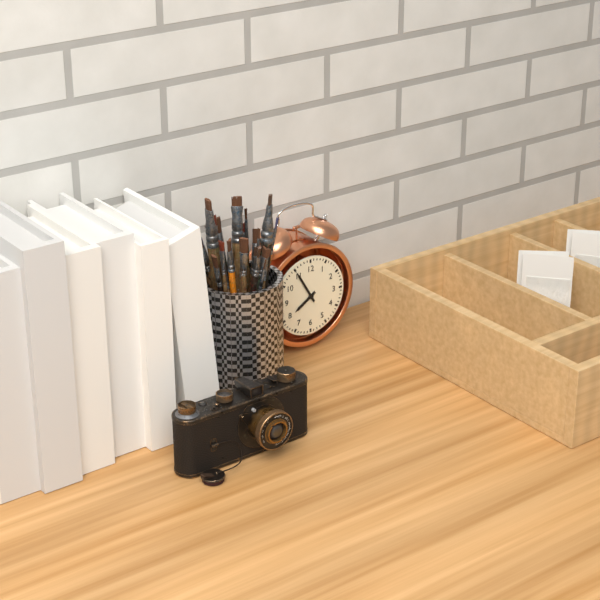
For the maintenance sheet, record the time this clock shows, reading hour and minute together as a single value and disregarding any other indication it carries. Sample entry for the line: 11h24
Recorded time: 7h55
